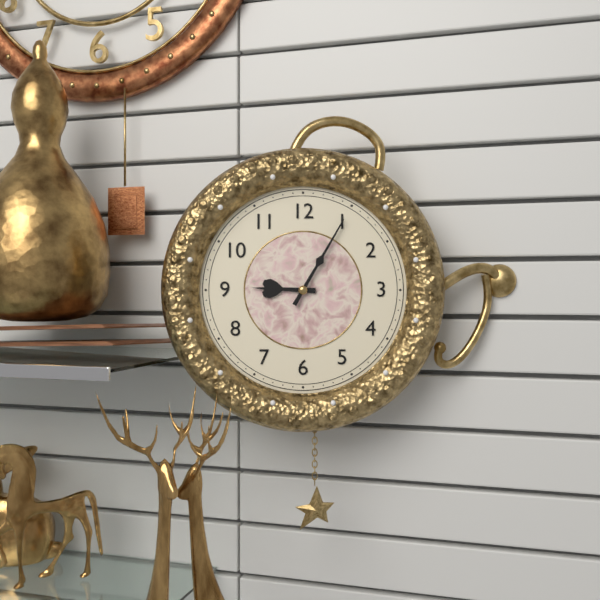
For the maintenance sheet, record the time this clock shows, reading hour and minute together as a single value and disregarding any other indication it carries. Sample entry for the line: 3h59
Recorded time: 9h05
